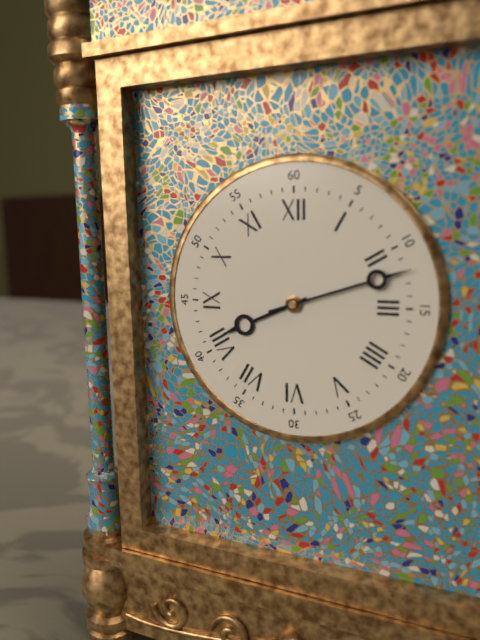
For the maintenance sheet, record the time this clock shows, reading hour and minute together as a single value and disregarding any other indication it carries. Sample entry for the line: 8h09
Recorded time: 8h12
